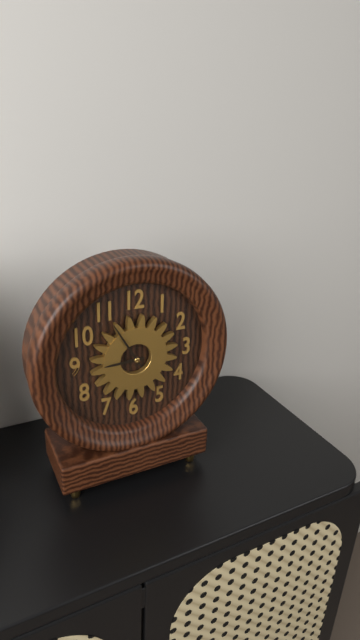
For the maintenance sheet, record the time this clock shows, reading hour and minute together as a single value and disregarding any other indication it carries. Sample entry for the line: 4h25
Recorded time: 8h55
